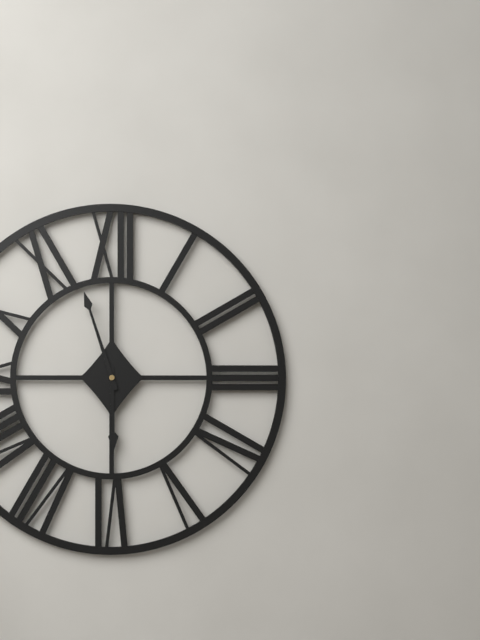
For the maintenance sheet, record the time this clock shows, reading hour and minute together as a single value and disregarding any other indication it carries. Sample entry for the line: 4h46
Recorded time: 5h57
